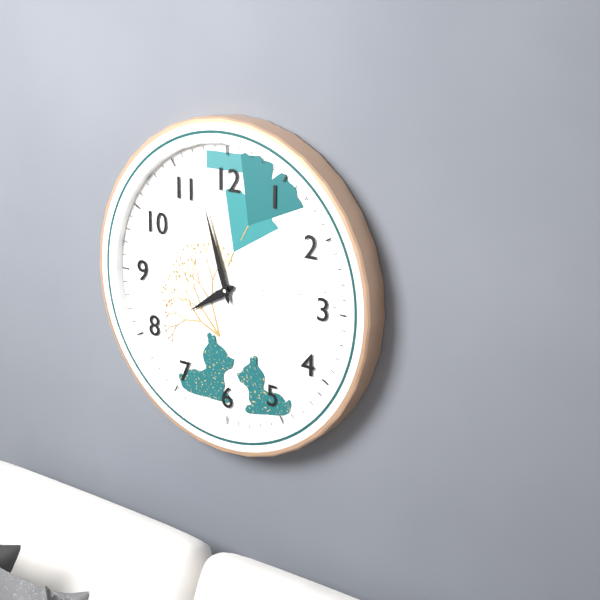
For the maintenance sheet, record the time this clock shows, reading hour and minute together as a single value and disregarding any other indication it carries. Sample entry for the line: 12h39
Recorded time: 7h57
